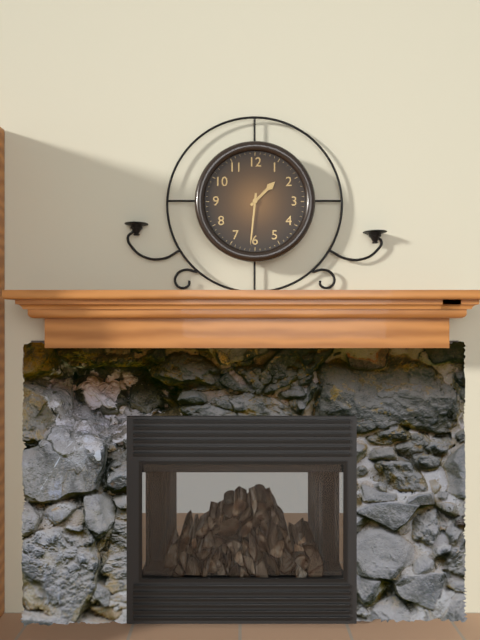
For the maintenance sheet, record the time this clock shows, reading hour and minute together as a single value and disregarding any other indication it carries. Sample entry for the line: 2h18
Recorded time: 1h31
